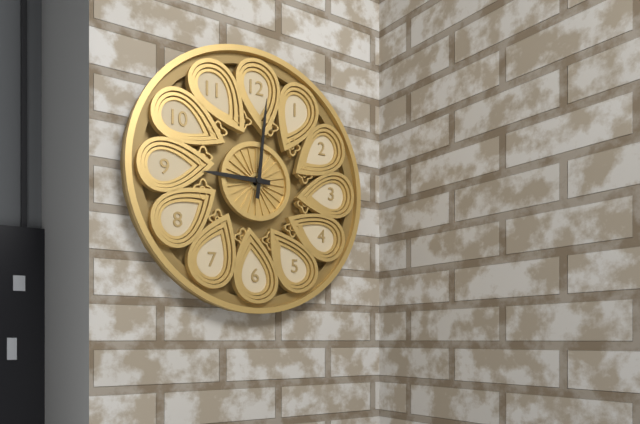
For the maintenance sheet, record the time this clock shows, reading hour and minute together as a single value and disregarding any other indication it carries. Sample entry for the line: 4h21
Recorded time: 9h01
